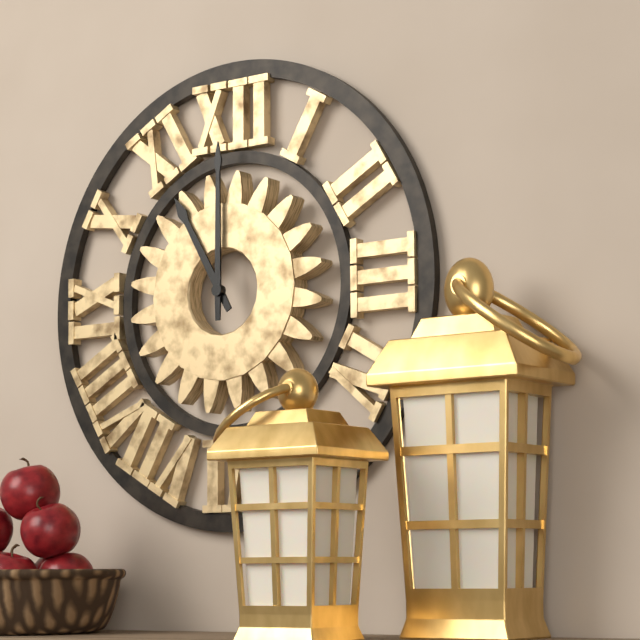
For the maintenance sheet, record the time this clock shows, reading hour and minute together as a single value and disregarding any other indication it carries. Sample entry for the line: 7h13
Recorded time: 11h00
